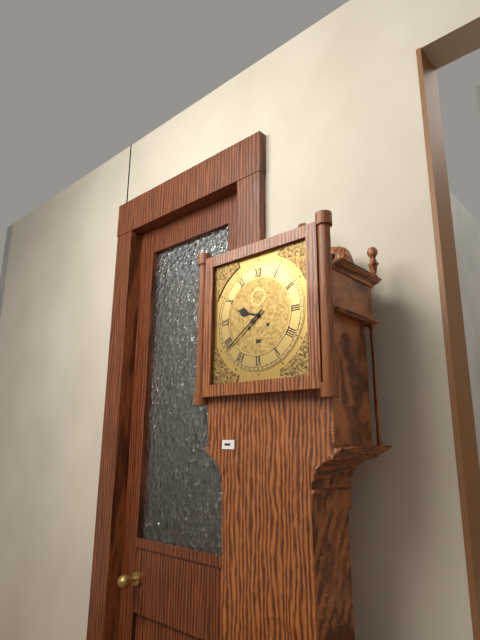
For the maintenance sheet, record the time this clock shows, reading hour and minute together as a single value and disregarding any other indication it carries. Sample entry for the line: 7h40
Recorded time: 9h39
